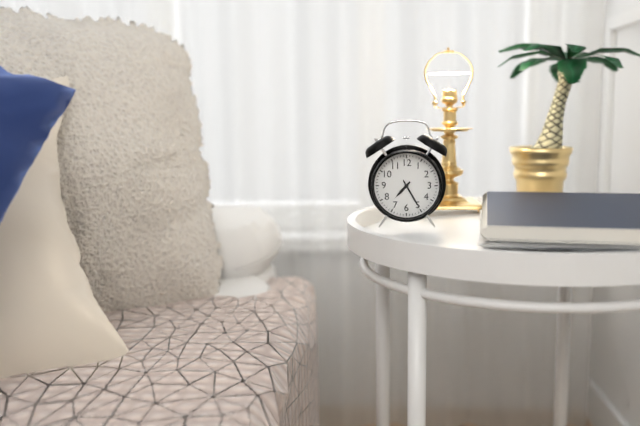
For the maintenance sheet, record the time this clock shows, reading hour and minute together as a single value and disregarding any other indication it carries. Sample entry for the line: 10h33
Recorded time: 7h25
